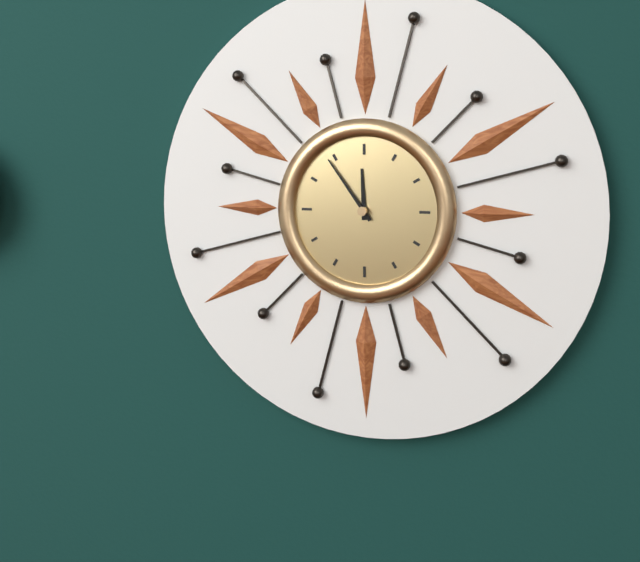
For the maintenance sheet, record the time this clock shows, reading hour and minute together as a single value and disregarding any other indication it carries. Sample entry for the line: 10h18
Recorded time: 11h54
